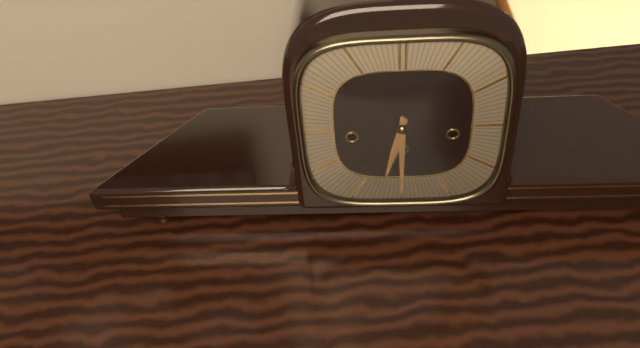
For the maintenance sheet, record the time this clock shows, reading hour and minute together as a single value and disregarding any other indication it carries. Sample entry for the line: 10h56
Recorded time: 6h30
